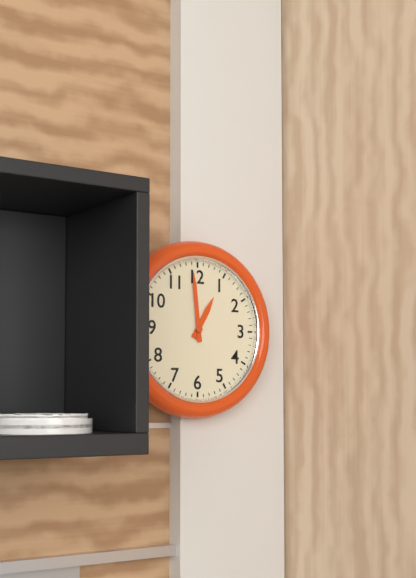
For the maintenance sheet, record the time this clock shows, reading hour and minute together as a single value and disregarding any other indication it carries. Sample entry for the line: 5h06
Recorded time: 12h59
